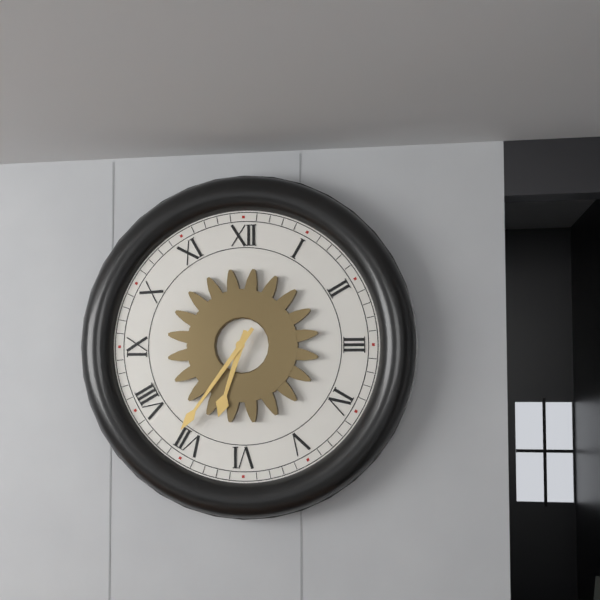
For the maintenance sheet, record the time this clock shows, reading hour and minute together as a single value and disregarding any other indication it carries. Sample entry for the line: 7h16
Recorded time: 6h36
